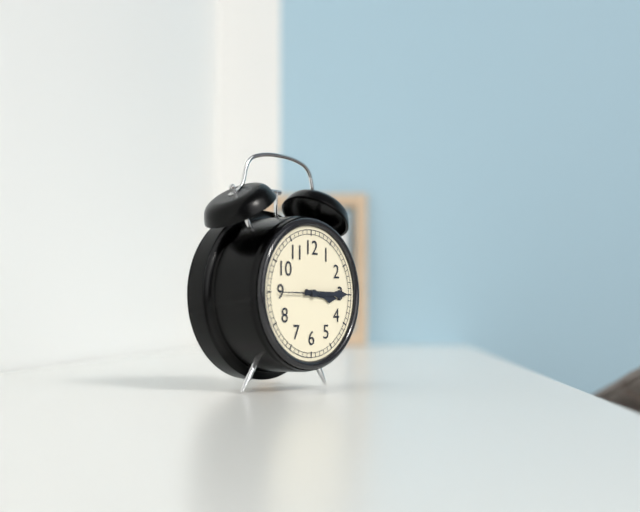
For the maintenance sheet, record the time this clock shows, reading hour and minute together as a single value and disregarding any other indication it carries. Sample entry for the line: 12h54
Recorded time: 3h15
